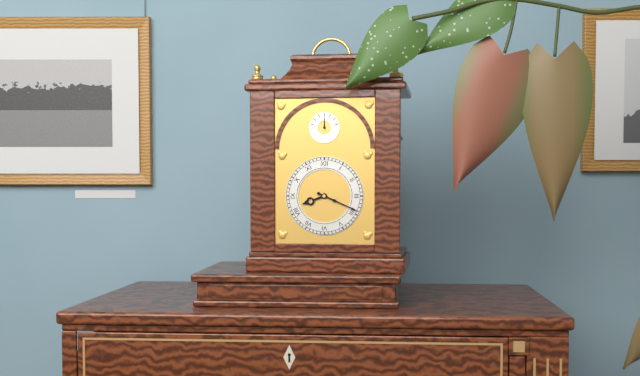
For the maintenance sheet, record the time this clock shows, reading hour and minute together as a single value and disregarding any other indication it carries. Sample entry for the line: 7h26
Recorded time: 8h19
